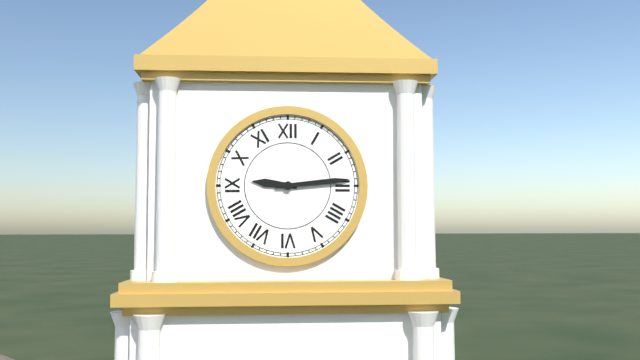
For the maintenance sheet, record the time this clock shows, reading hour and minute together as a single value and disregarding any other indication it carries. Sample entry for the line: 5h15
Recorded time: 9h14
